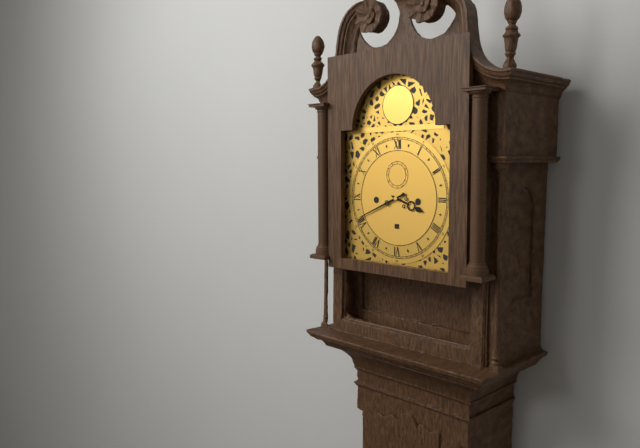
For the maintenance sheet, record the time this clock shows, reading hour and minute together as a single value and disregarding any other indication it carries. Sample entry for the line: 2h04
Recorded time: 3h41
